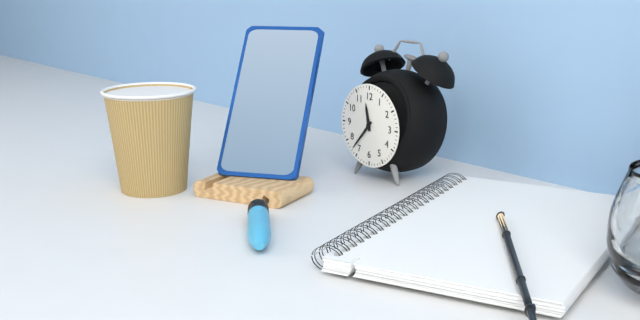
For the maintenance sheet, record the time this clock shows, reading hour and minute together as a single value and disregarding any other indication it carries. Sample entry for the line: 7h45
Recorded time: 11h37
